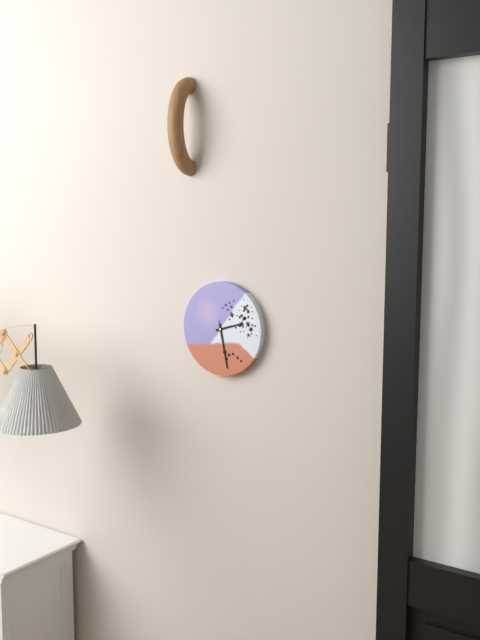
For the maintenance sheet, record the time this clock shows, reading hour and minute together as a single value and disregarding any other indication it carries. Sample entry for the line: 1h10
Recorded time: 2h28
